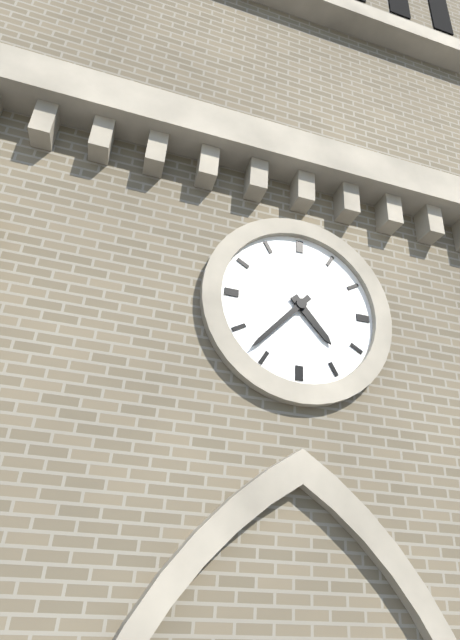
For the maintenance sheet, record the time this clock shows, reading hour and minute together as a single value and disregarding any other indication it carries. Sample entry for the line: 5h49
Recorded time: 4h37
